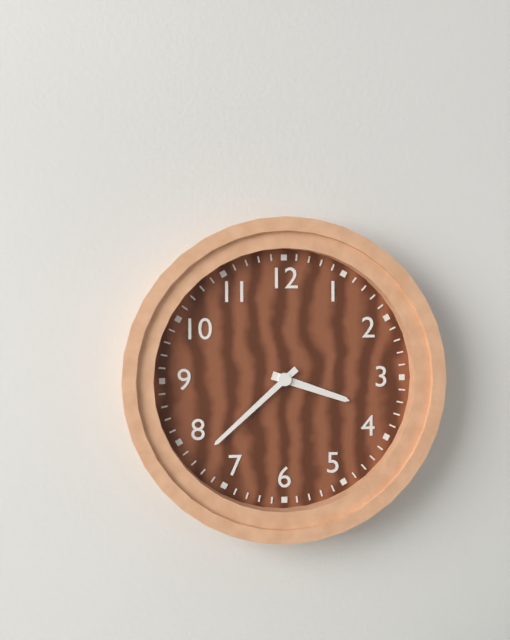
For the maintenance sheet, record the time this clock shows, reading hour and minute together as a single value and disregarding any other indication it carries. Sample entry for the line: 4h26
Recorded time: 3h38
